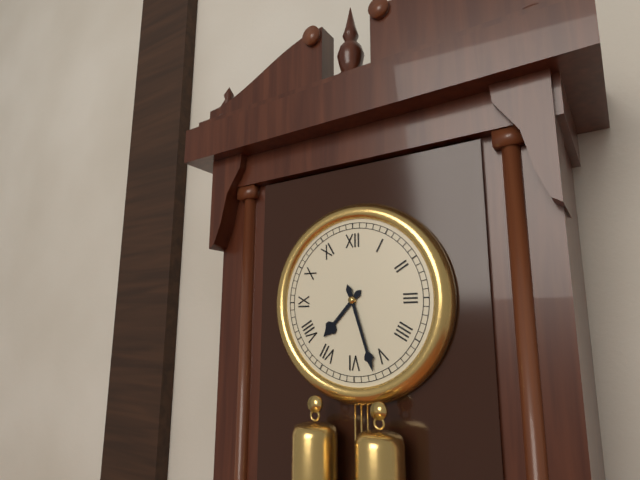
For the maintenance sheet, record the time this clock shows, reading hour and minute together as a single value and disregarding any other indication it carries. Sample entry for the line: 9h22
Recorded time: 7h27
